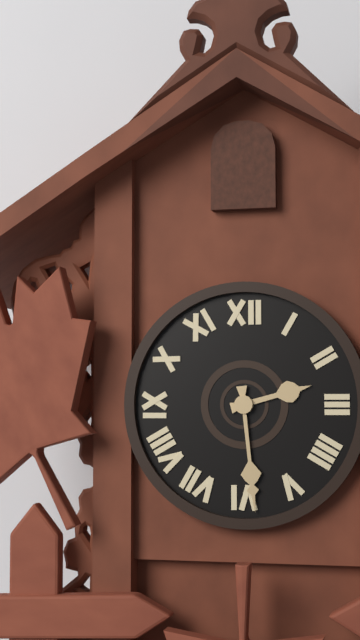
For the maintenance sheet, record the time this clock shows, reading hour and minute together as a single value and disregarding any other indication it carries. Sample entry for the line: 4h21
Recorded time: 2h29
